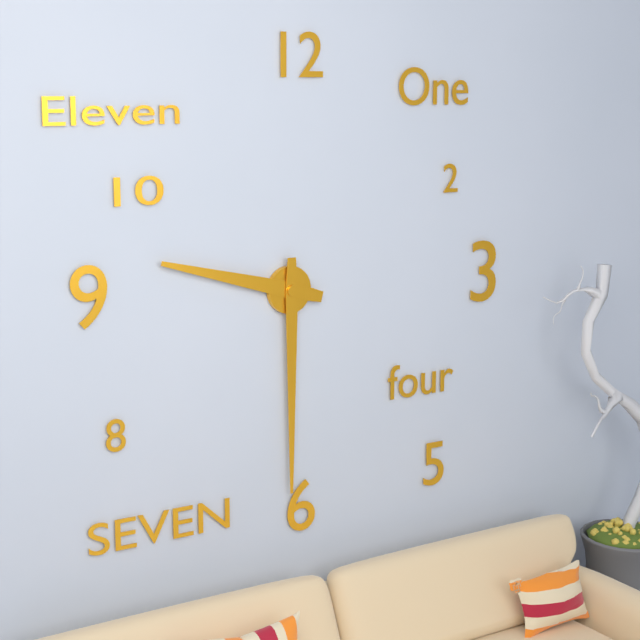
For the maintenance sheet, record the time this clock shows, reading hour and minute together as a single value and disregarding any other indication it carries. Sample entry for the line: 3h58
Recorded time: 9h30
